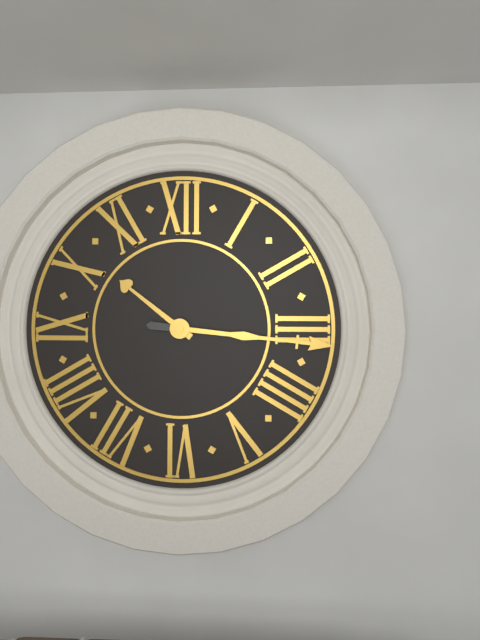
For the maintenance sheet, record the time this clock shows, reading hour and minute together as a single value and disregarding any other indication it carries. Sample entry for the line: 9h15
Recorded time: 10h16
